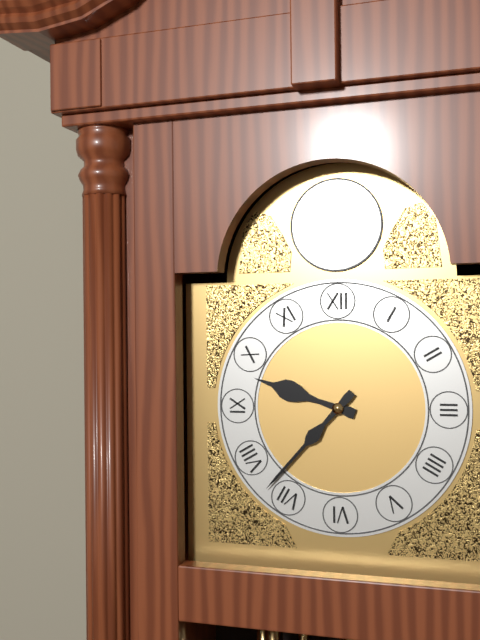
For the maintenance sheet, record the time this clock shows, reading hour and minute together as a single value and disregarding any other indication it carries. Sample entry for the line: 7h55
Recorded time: 9h37
